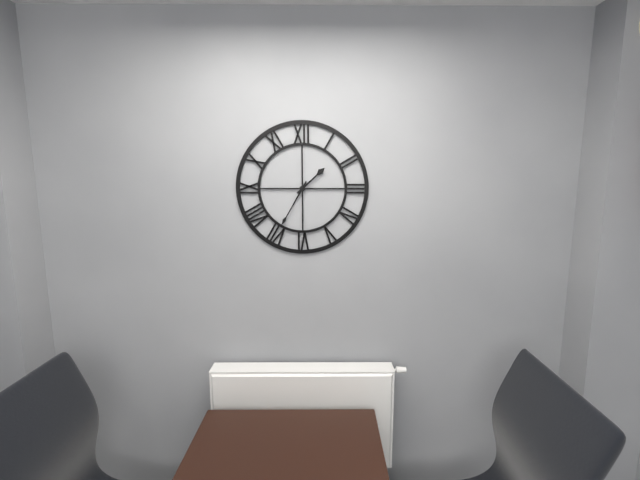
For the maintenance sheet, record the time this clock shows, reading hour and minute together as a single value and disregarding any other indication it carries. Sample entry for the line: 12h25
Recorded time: 1h35
